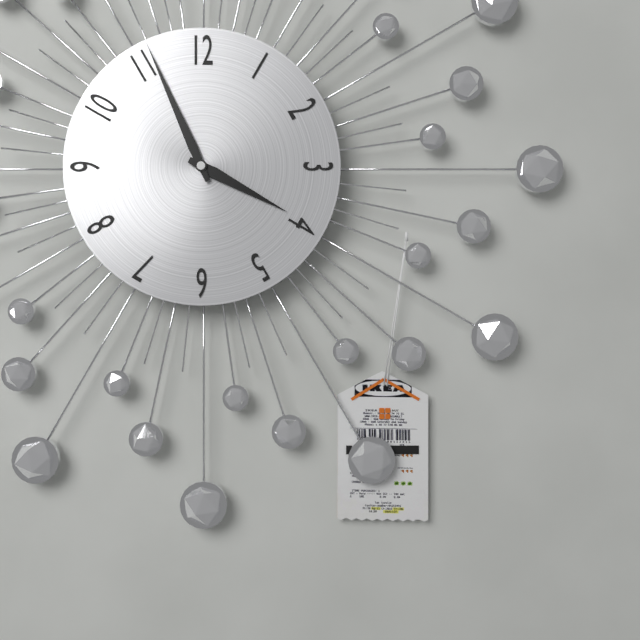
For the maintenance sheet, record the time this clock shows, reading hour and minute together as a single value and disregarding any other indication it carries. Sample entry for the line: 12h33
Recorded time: 3h56
